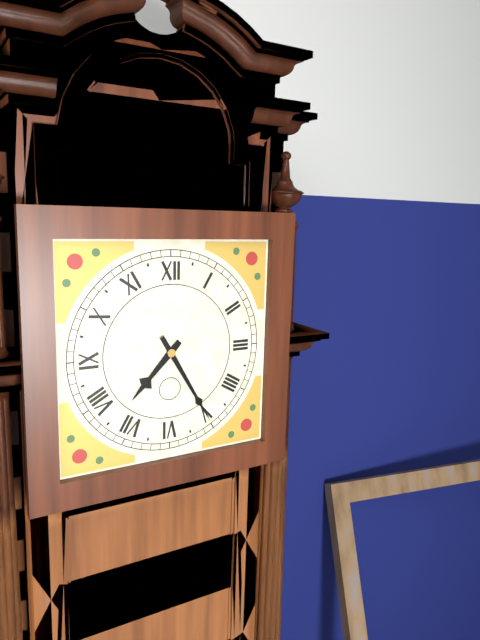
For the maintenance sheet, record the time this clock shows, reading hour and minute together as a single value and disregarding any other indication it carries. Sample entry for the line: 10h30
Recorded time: 7h25
